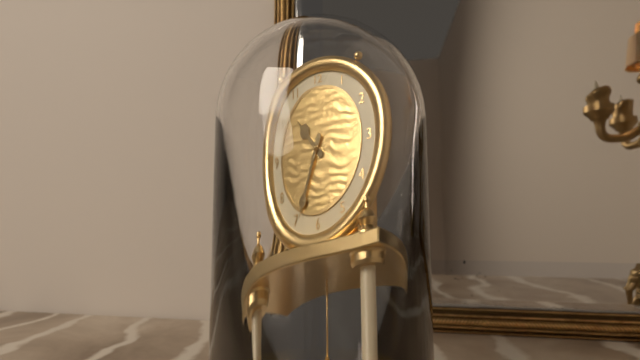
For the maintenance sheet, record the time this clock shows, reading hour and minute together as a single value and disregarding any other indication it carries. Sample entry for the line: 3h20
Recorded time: 10h34
